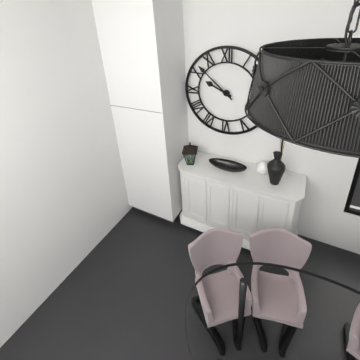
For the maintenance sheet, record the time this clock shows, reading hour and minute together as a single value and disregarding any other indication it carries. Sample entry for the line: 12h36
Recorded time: 9h52
